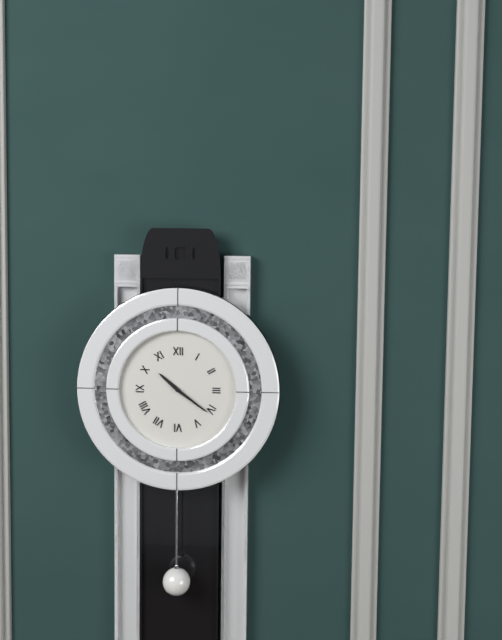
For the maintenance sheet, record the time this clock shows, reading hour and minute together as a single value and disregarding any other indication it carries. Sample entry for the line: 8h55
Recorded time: 10h21
